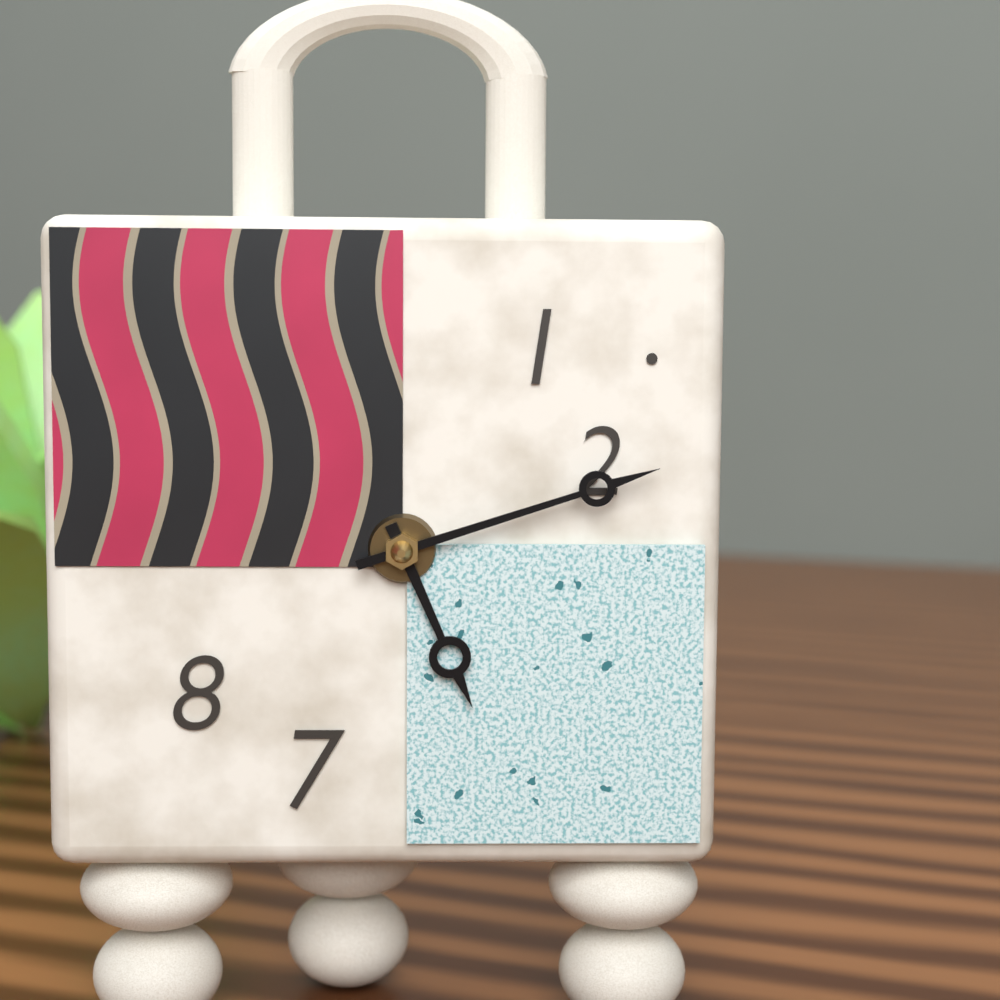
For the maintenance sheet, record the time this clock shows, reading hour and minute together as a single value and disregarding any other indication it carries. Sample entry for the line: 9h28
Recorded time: 5h12
